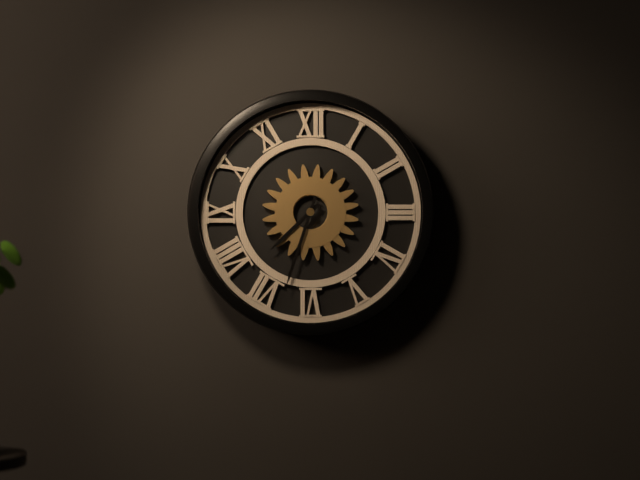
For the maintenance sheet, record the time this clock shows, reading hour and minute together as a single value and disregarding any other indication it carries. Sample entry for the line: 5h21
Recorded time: 7h33
